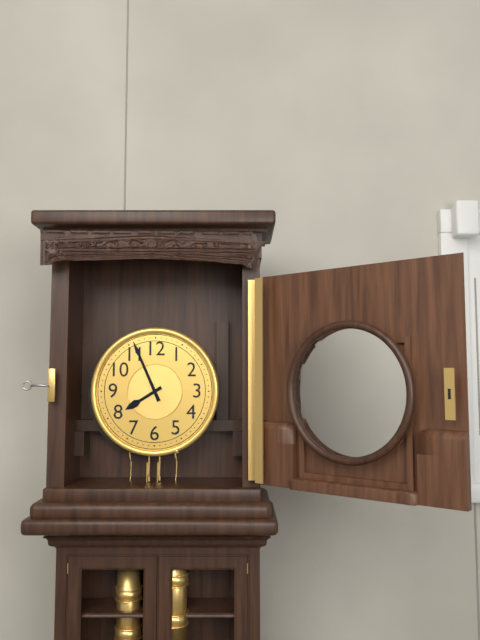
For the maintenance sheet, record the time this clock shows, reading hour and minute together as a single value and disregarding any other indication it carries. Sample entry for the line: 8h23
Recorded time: 7h56
